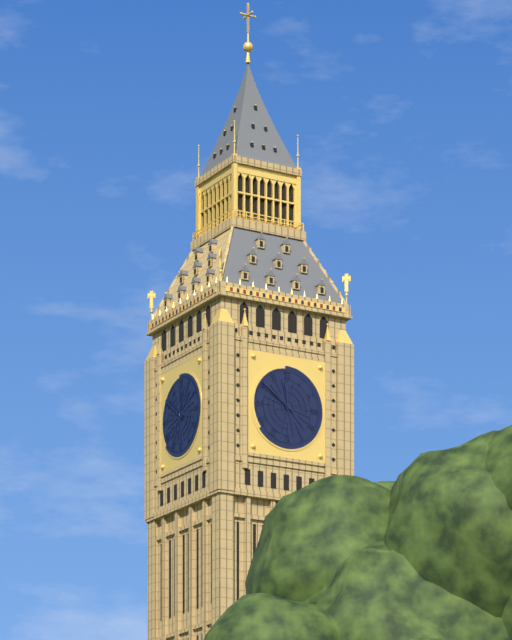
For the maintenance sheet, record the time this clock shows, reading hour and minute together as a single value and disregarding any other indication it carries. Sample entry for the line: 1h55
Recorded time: 11h51
